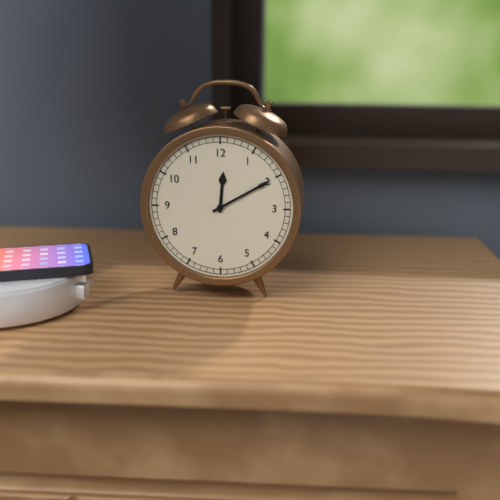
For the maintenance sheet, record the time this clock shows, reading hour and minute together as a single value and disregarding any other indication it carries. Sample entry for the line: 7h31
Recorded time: 12h10
